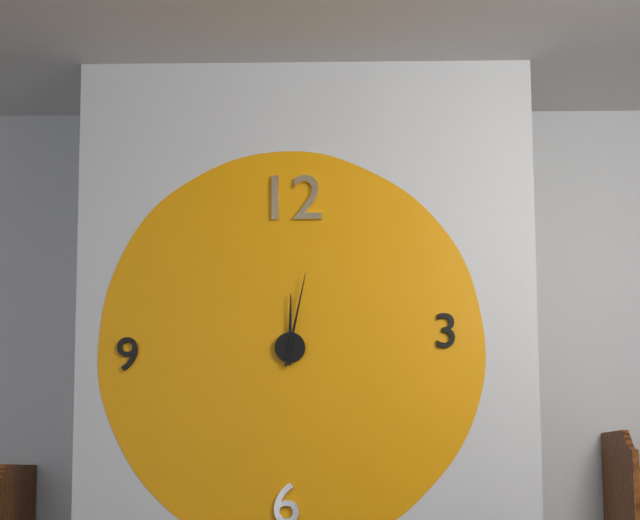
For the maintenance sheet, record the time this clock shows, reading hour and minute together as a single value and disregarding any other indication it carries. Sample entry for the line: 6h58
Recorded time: 12h02
